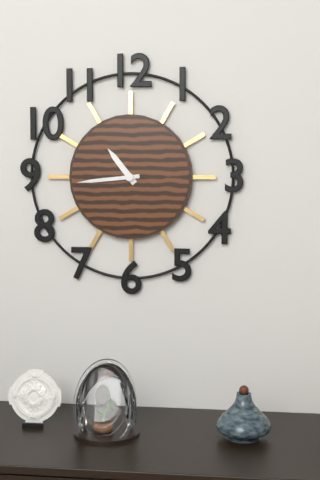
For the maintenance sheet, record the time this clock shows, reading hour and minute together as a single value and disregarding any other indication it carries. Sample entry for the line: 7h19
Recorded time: 10h44
